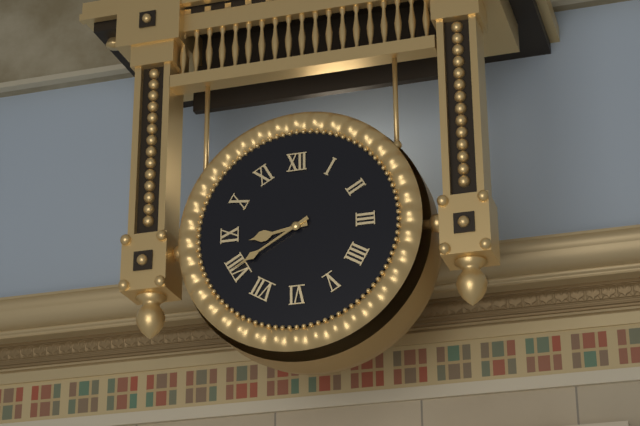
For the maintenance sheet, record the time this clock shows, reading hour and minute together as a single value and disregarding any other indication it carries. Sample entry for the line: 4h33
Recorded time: 8h40
